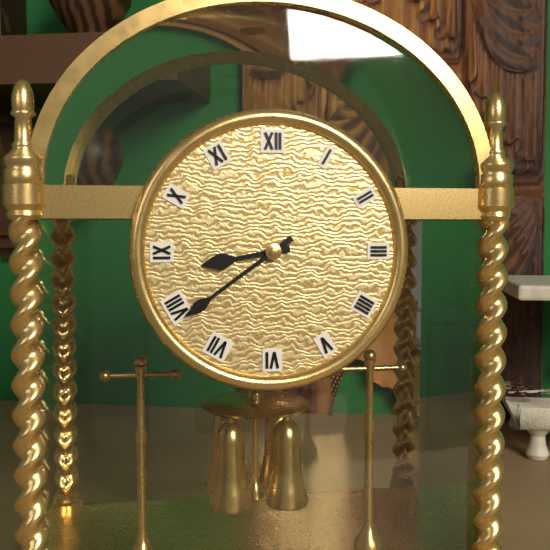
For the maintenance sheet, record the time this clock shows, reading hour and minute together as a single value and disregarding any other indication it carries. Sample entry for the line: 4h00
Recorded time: 8h39
